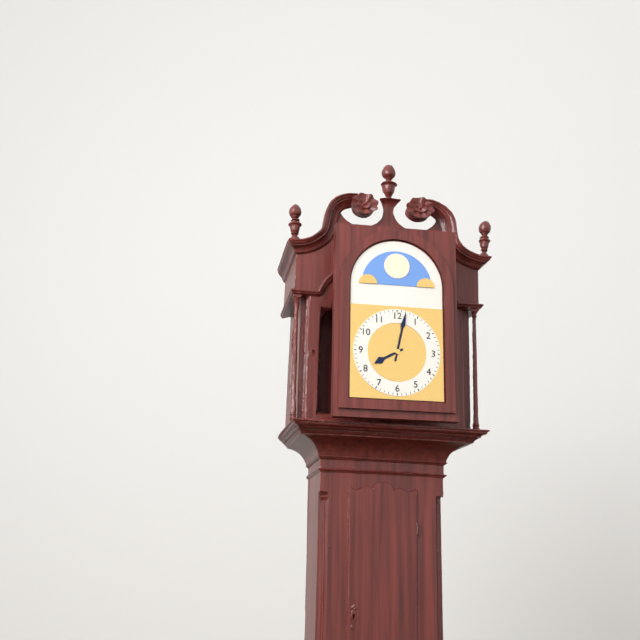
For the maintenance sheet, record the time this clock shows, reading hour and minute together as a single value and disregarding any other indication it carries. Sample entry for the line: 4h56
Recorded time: 8h02
